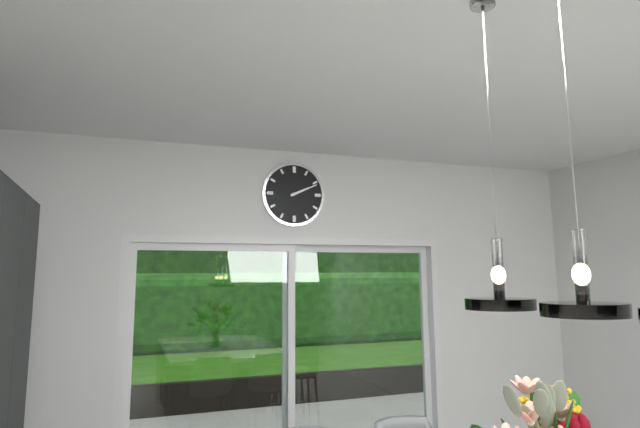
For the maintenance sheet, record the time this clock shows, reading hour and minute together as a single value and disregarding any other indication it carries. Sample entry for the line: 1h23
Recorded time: 2h11
